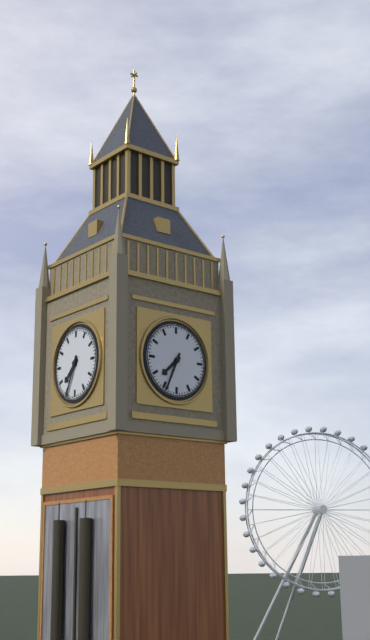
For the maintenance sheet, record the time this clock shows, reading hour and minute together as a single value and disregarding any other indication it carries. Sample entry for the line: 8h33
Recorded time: 7h34
